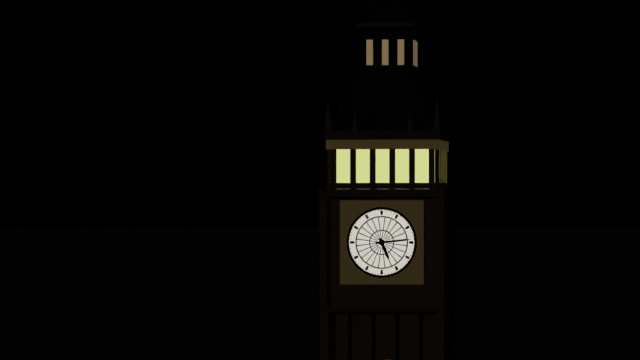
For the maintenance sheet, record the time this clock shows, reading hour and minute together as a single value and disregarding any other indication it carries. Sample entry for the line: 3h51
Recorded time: 5h14
